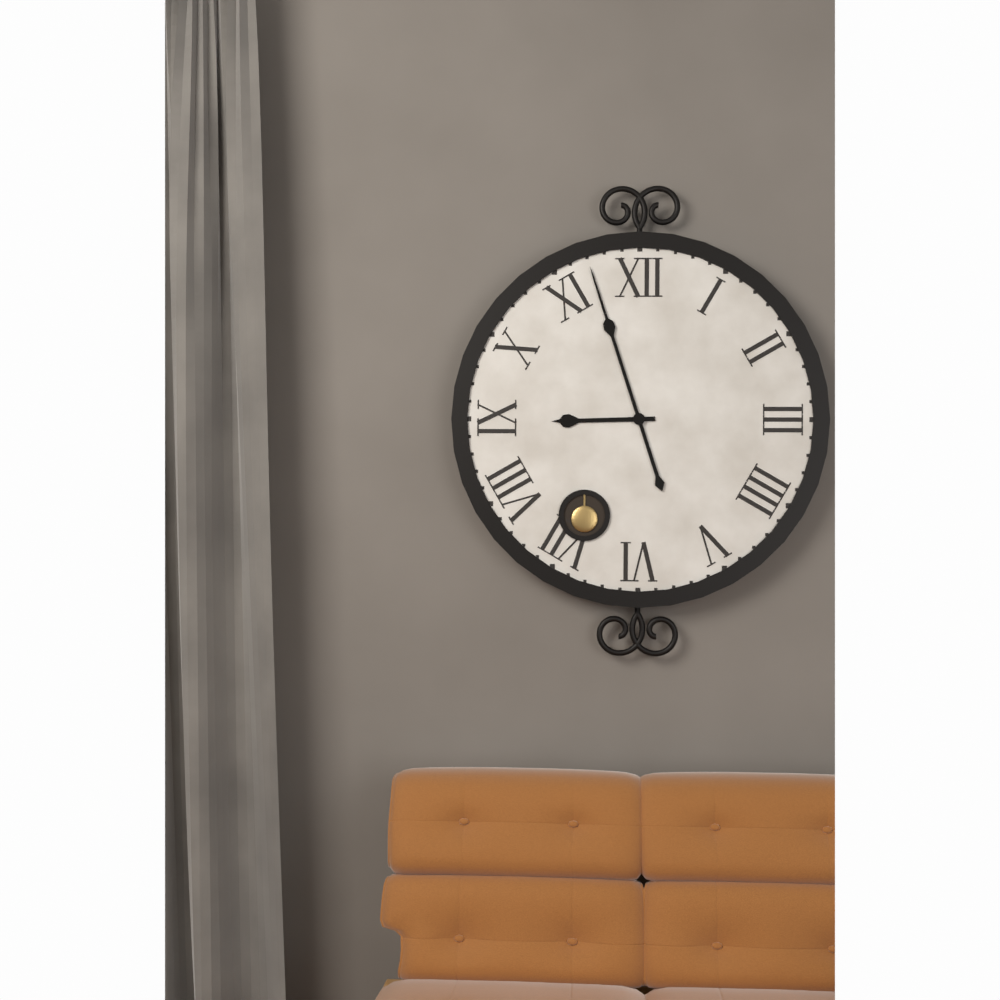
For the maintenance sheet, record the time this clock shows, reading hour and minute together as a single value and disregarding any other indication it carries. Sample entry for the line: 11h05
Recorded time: 8h57
